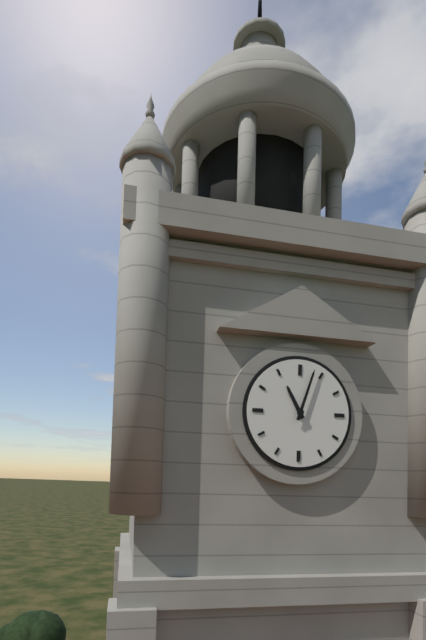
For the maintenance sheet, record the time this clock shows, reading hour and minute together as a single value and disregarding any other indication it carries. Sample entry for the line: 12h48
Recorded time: 11h03
